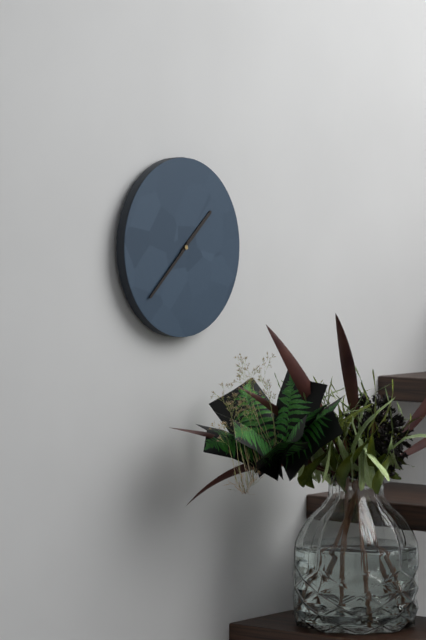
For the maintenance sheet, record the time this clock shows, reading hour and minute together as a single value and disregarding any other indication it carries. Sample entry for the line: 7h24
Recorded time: 1h38
